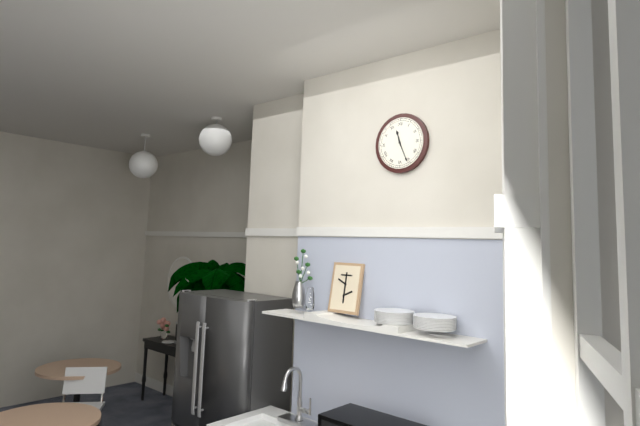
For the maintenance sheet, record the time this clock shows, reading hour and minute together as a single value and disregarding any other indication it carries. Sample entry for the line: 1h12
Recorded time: 11h26
